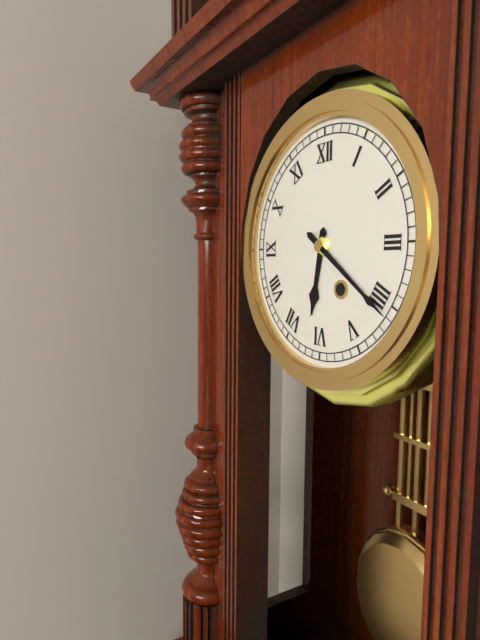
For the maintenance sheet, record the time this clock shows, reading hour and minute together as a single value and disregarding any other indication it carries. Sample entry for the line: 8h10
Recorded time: 6h21
